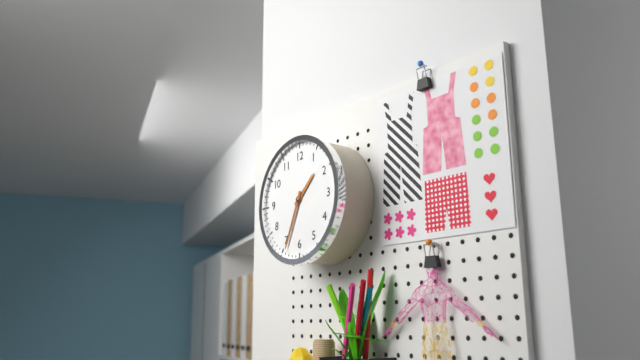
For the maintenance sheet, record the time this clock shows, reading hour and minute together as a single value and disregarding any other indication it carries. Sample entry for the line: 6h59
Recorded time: 1h34
